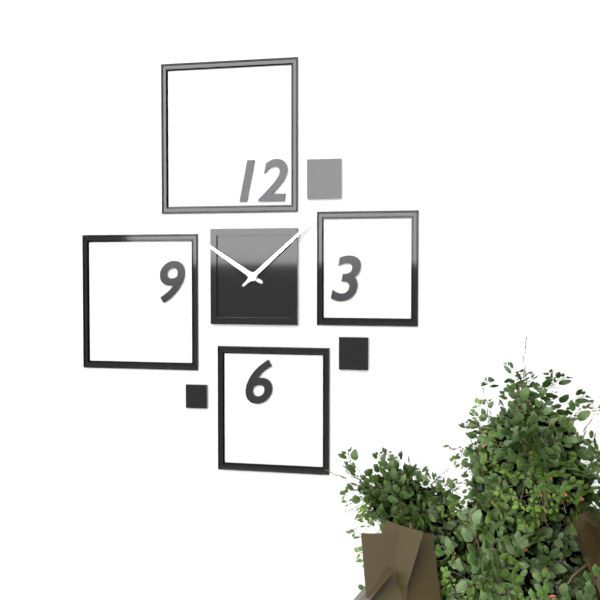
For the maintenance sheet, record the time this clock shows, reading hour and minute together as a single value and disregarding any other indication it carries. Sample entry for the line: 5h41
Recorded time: 10h08
